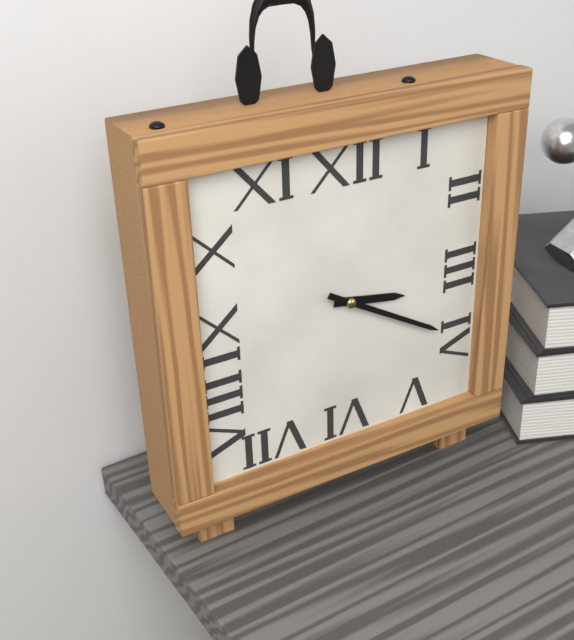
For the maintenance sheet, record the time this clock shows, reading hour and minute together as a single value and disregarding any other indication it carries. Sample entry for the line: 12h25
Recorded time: 3h20
